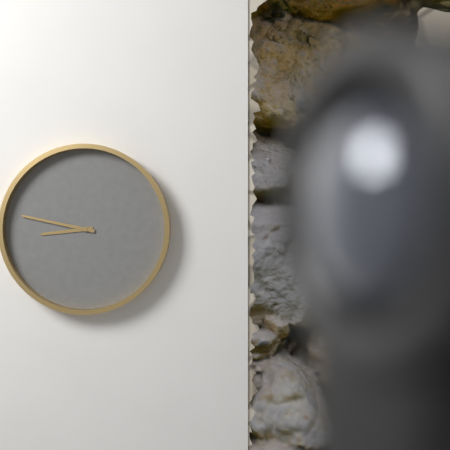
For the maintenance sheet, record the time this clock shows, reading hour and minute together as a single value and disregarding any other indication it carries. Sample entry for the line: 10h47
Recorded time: 8h47
